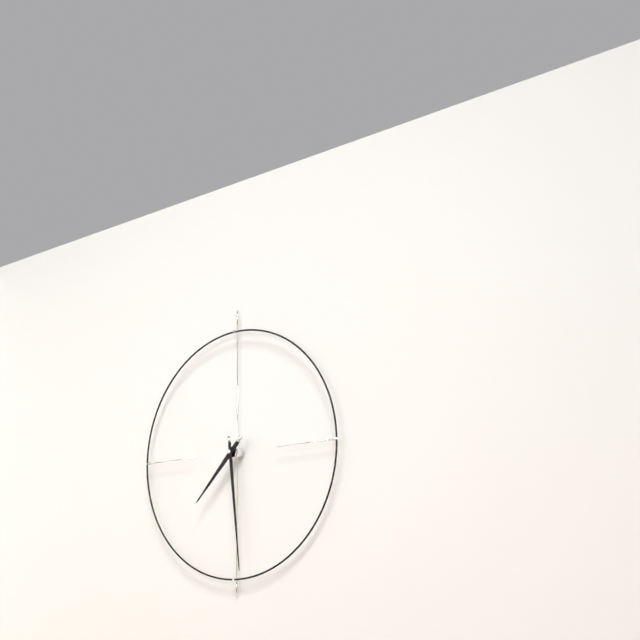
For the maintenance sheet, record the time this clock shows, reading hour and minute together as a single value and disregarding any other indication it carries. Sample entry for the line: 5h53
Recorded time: 7h29
